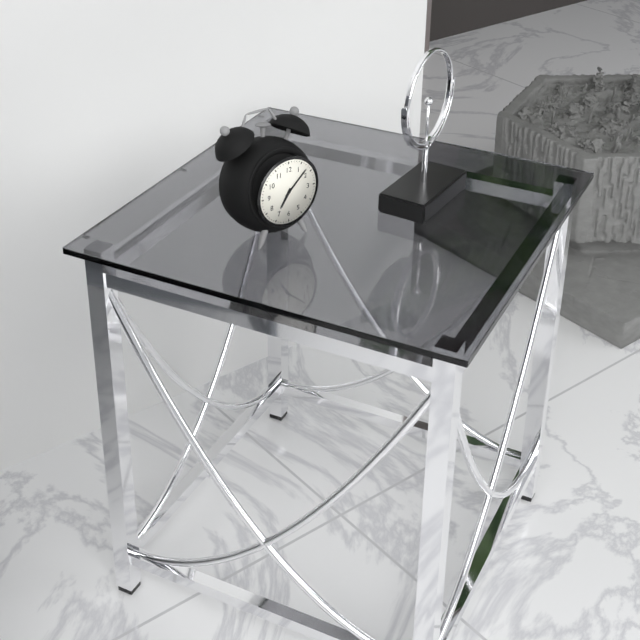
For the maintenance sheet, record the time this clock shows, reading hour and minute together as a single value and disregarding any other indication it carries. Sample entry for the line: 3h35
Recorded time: 7h08
